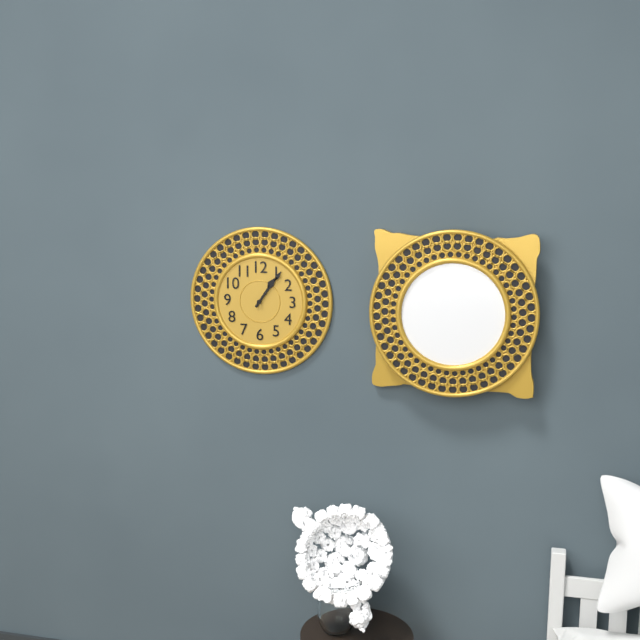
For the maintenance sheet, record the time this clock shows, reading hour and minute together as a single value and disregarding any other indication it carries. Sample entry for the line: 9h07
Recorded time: 1h06
